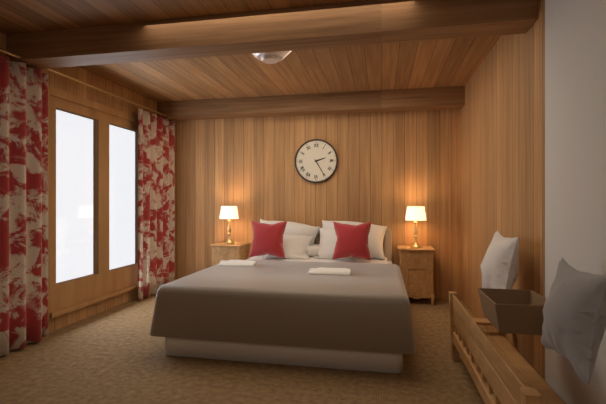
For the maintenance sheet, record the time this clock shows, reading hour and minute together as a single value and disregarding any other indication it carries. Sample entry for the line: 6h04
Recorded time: 2h25
